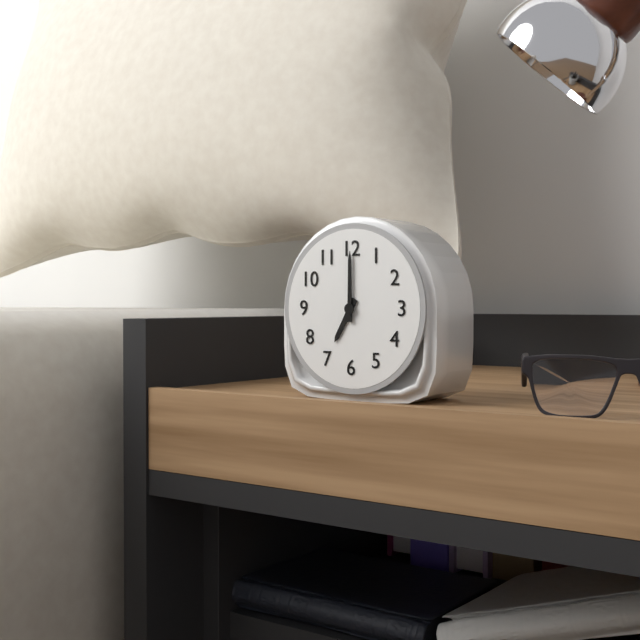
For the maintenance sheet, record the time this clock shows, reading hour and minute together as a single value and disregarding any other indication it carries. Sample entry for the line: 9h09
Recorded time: 7h00
